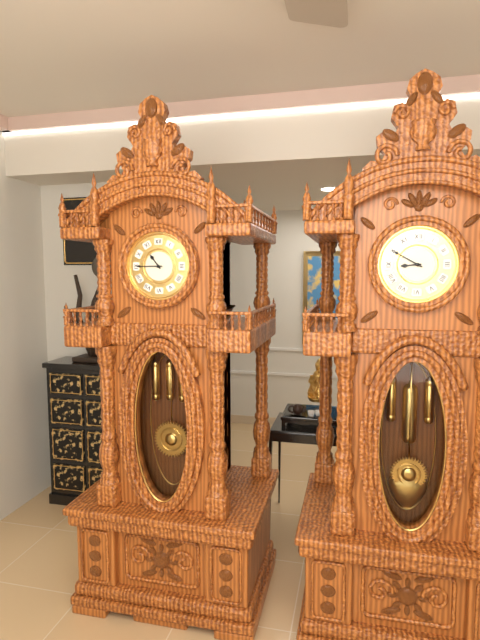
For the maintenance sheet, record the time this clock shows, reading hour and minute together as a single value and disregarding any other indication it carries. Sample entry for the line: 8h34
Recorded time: 10h45
